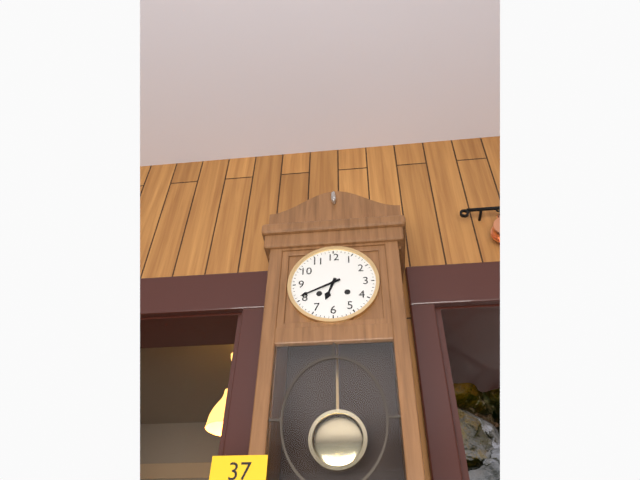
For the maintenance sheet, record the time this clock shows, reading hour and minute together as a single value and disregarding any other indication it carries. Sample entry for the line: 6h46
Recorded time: 6h41
